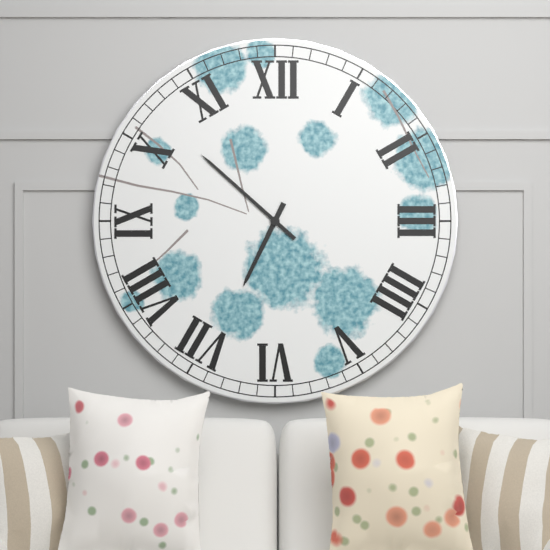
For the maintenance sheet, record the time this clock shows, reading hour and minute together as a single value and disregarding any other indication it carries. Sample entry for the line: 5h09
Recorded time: 6h52
